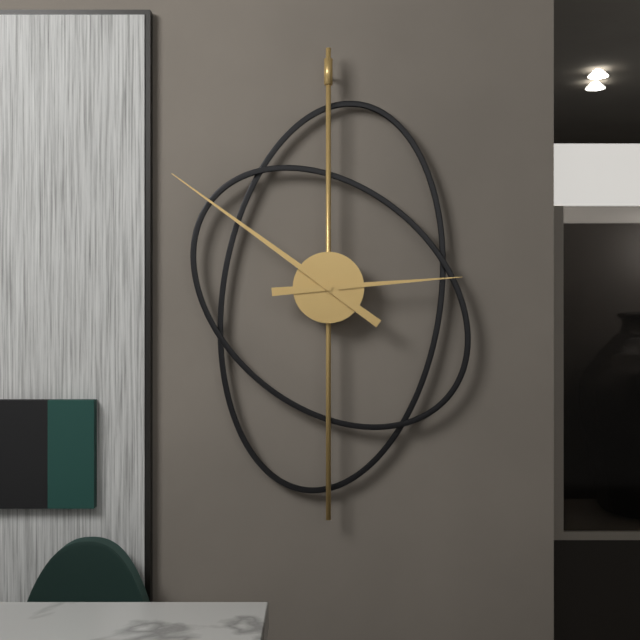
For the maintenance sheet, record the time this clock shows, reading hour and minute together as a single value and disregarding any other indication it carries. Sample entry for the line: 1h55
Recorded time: 2h51
